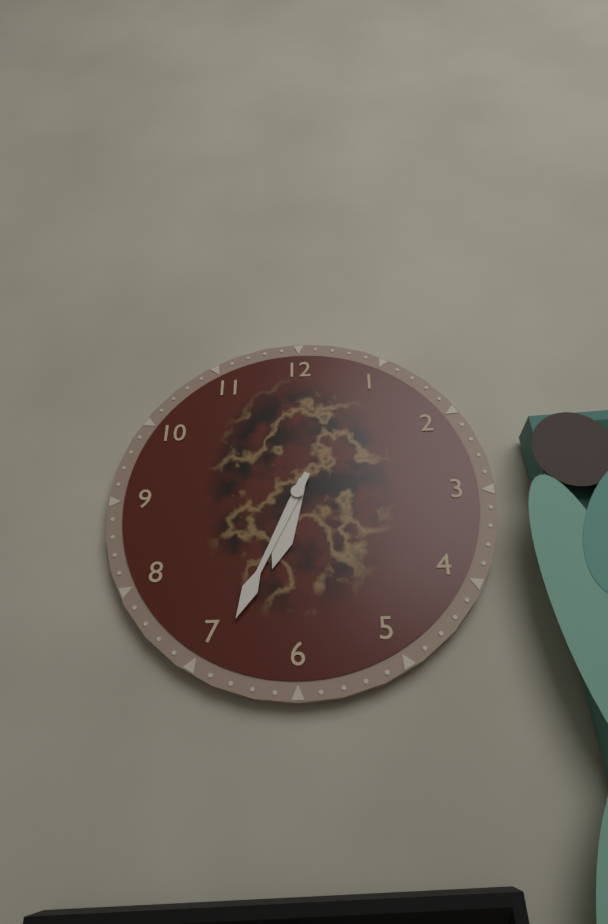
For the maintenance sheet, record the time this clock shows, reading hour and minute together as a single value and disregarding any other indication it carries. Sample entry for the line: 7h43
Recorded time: 6h34
